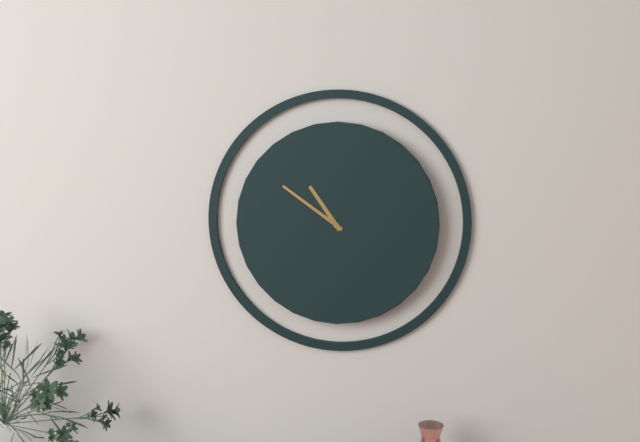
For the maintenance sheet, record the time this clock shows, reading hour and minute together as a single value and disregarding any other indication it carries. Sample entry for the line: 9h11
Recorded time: 10h51
